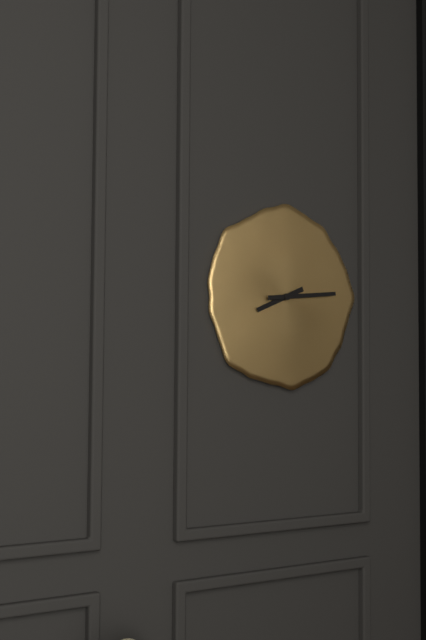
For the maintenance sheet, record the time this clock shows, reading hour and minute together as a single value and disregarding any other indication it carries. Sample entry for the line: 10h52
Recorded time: 8h14
